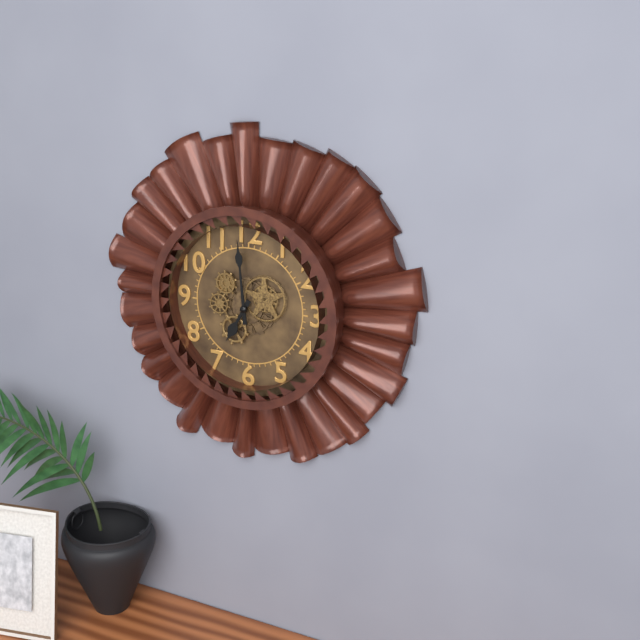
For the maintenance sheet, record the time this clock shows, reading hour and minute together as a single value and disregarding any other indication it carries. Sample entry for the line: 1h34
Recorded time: 6h59
